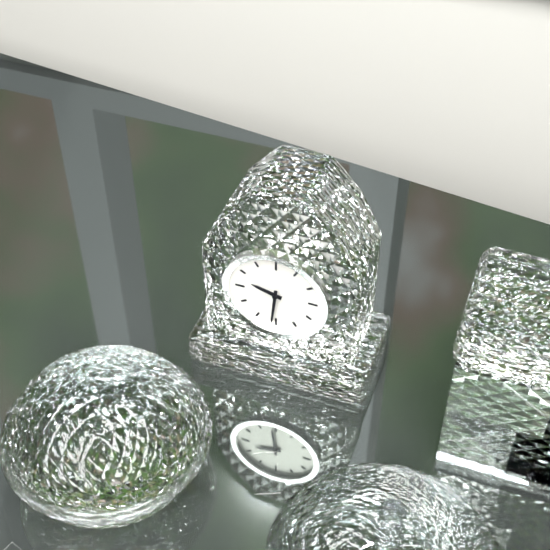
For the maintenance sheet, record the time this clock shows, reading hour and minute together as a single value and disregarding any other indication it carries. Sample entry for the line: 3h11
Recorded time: 9h31
